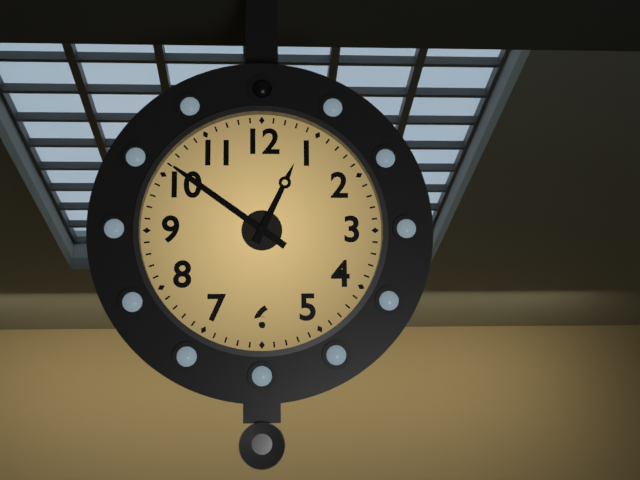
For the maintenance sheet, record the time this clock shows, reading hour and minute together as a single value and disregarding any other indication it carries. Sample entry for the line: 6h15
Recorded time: 12h51
